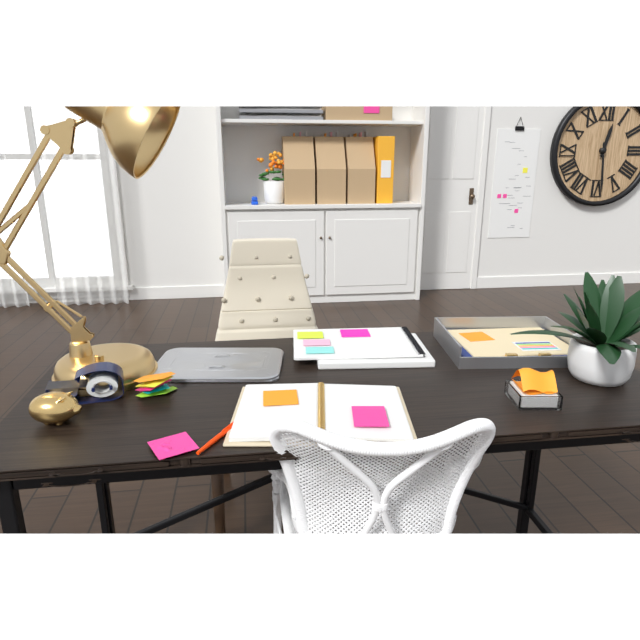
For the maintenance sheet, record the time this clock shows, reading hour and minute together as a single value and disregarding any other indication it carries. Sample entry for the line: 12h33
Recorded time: 12h29
